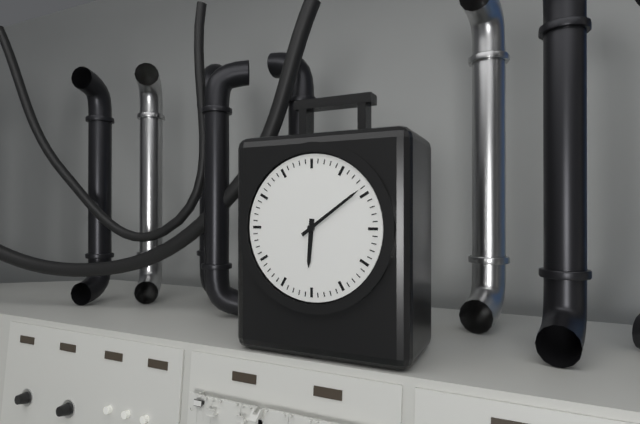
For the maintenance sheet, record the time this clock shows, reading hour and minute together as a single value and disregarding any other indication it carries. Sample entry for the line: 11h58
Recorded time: 6h09
